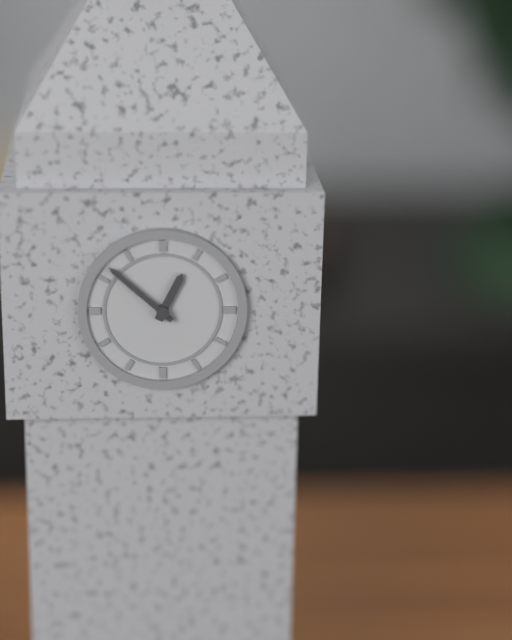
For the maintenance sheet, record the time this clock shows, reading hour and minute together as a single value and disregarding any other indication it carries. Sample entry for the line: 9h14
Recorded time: 12h52
